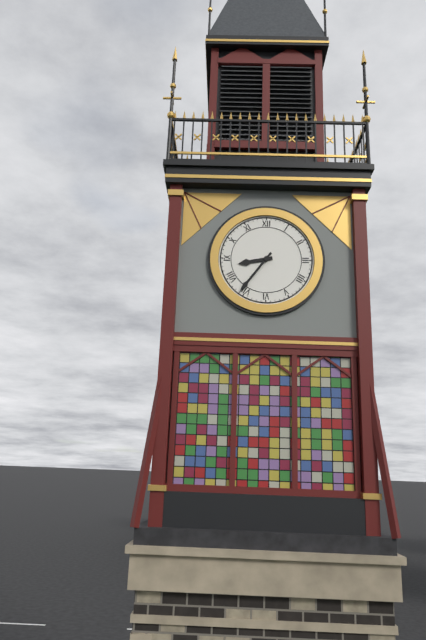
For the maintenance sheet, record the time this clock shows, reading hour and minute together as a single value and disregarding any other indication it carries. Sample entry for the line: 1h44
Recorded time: 8h36
